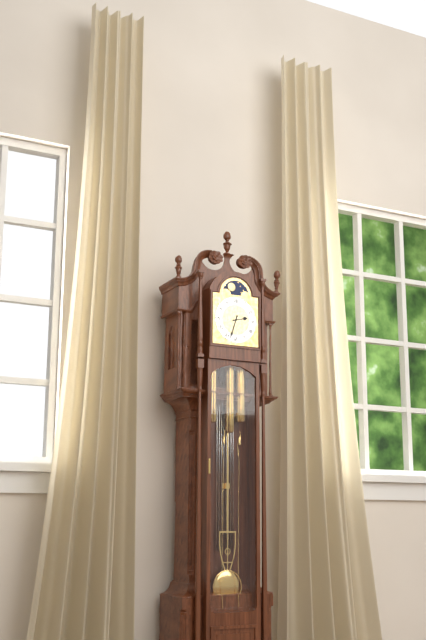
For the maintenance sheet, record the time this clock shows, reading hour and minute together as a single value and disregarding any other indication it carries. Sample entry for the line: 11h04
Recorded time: 2h33
